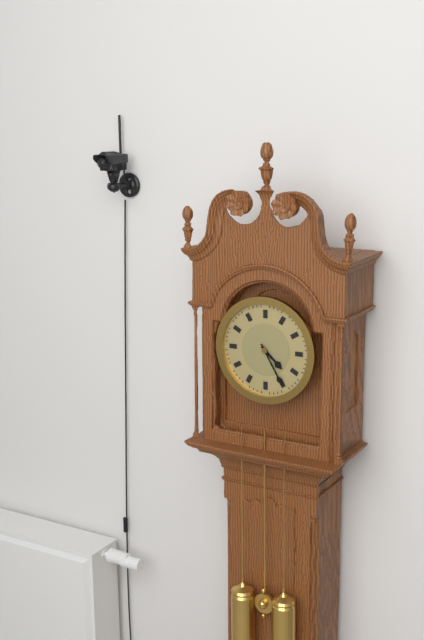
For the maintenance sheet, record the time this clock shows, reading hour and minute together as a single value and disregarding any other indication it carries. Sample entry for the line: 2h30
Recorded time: 4h25
